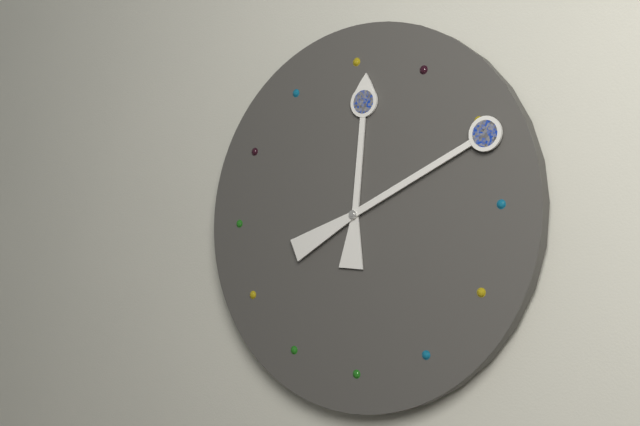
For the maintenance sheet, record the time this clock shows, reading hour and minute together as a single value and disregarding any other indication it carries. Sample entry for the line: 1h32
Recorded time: 12h11
